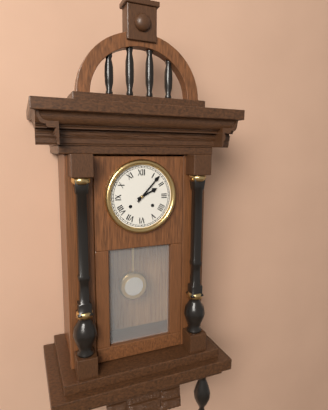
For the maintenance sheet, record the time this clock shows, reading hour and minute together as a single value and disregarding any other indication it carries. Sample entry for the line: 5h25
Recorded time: 2h07
